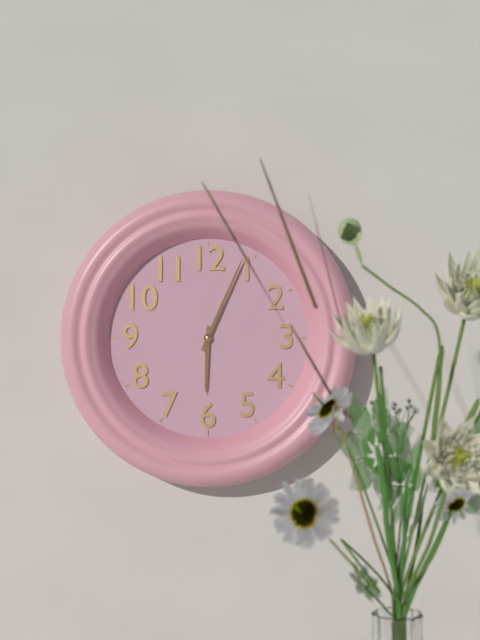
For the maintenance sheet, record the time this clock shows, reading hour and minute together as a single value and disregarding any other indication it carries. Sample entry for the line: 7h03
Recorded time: 6h04
